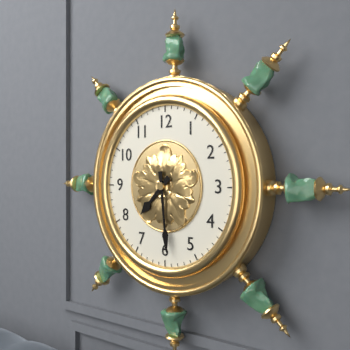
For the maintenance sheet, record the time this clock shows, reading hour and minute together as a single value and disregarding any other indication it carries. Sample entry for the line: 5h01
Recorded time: 7h29
